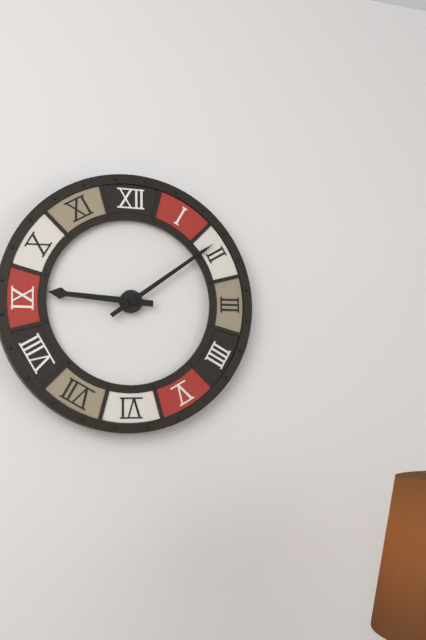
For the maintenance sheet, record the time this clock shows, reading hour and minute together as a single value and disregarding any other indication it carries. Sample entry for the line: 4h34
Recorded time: 9h09
